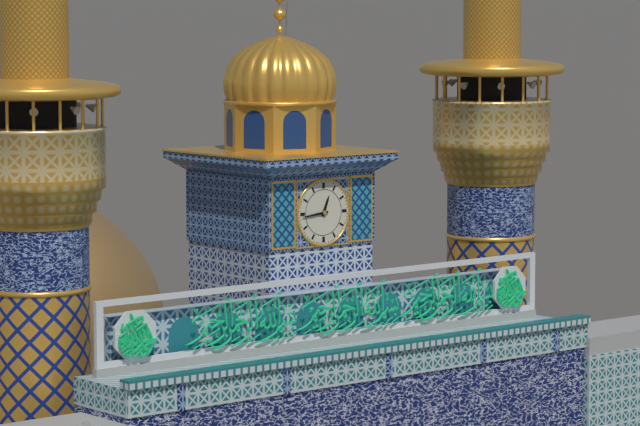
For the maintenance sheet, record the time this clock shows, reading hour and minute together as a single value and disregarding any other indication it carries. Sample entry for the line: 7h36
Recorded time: 12h44
